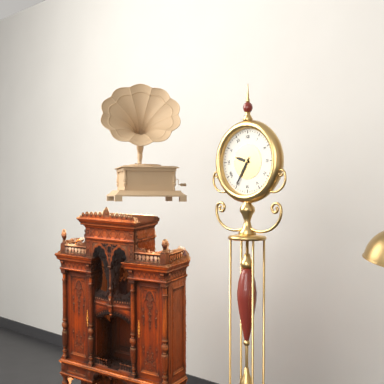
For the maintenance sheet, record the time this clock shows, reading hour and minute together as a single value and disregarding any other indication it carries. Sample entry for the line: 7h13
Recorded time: 9h35
